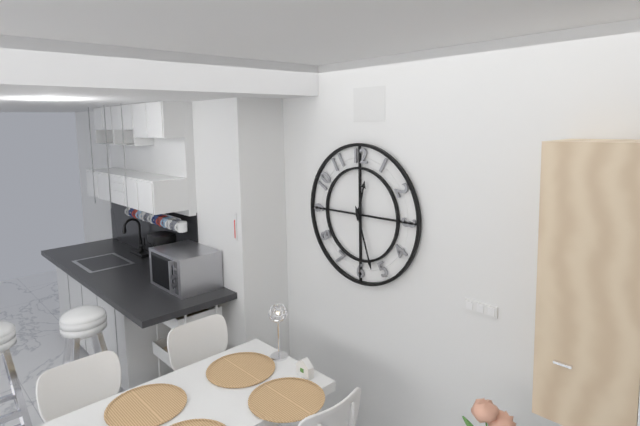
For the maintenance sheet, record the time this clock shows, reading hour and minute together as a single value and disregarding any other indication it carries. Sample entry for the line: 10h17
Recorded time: 12h27
